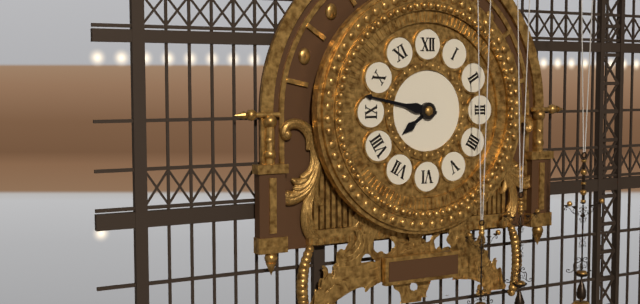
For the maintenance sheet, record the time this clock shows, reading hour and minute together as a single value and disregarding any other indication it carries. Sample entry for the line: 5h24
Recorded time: 7h47
